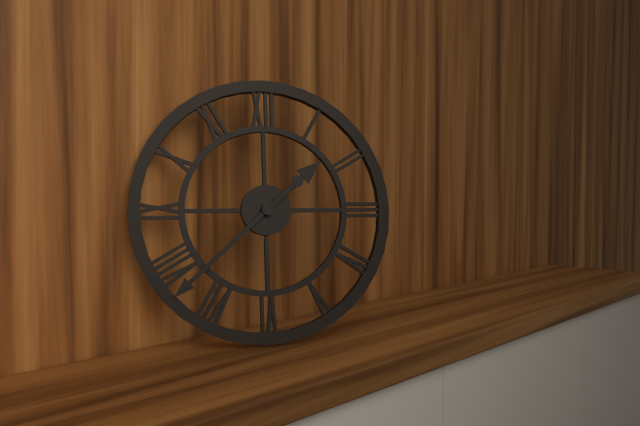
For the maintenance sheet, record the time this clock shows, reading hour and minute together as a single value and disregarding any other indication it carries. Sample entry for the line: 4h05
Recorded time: 1h38
